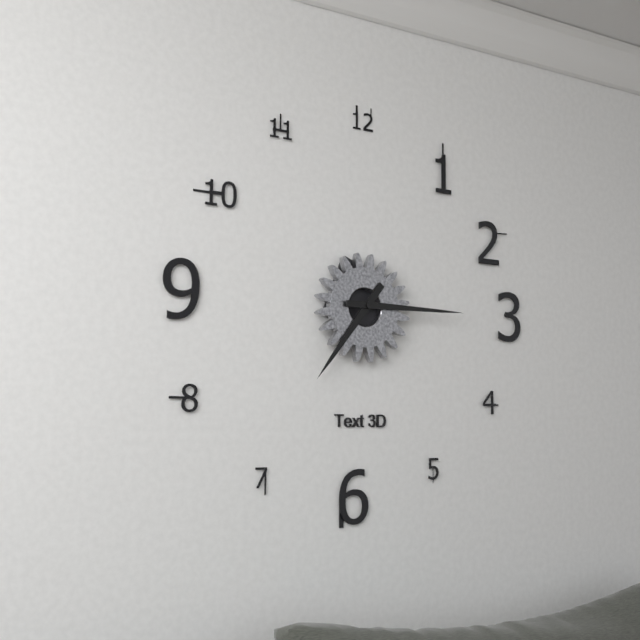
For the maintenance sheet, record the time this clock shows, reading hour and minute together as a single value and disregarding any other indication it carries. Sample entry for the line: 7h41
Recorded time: 7h15
